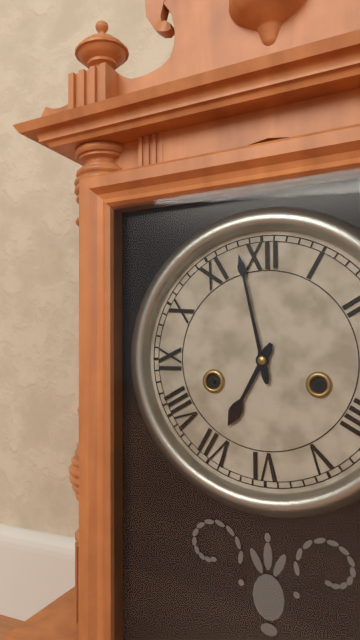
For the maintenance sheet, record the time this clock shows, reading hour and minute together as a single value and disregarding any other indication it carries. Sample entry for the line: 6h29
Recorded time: 6h58
